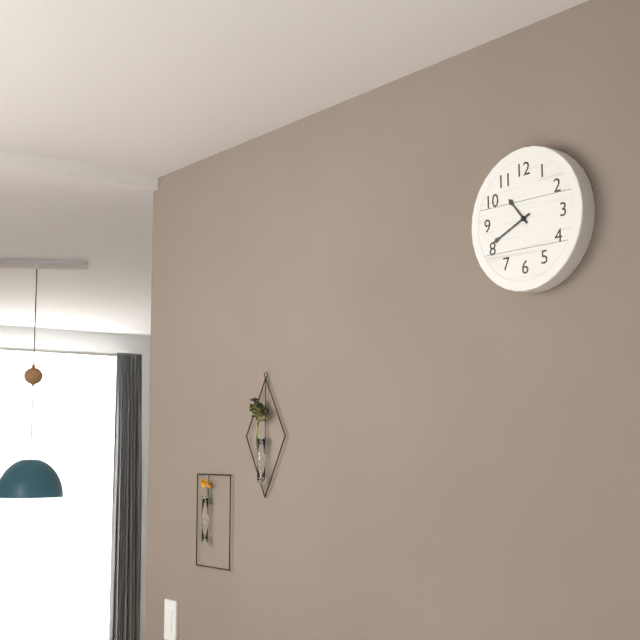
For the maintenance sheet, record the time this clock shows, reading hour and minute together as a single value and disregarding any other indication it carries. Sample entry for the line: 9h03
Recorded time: 10h41
